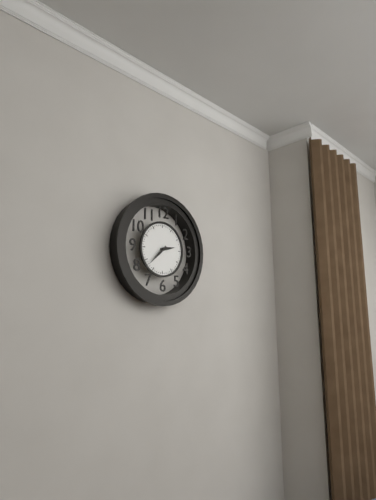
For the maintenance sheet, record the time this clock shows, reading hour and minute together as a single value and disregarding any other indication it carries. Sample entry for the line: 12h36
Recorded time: 2h38
